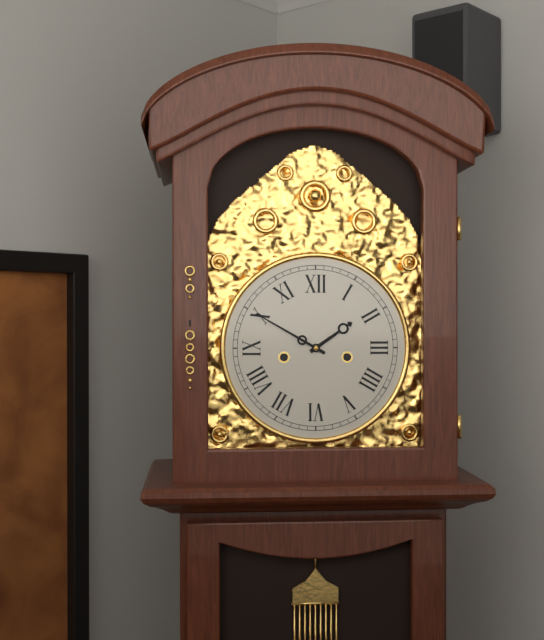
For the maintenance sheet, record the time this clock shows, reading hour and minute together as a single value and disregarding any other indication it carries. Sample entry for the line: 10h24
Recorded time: 1h50
